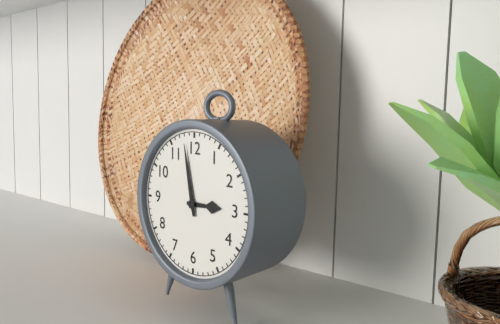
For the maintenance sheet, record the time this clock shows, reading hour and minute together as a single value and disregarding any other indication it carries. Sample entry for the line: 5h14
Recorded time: 2h58
